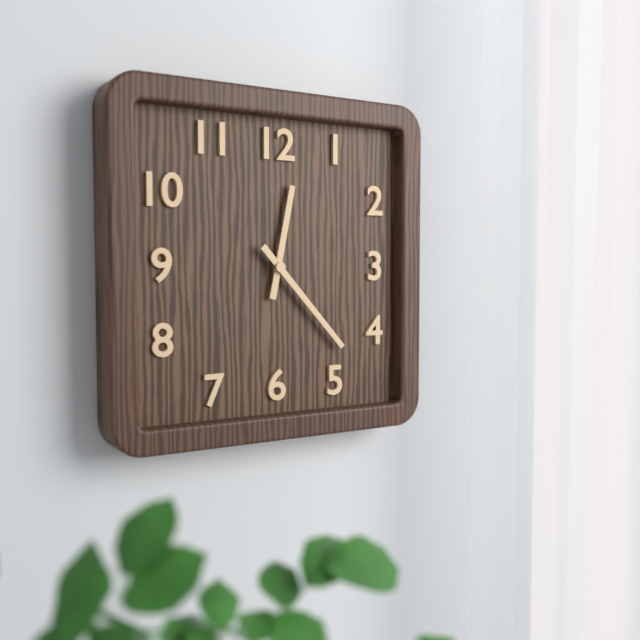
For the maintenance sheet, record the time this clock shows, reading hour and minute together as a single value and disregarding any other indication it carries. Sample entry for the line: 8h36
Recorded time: 12h23
